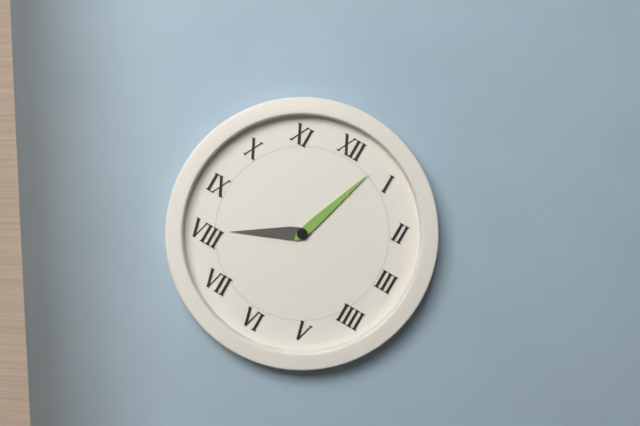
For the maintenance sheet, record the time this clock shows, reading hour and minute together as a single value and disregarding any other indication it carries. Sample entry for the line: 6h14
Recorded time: 8h03
